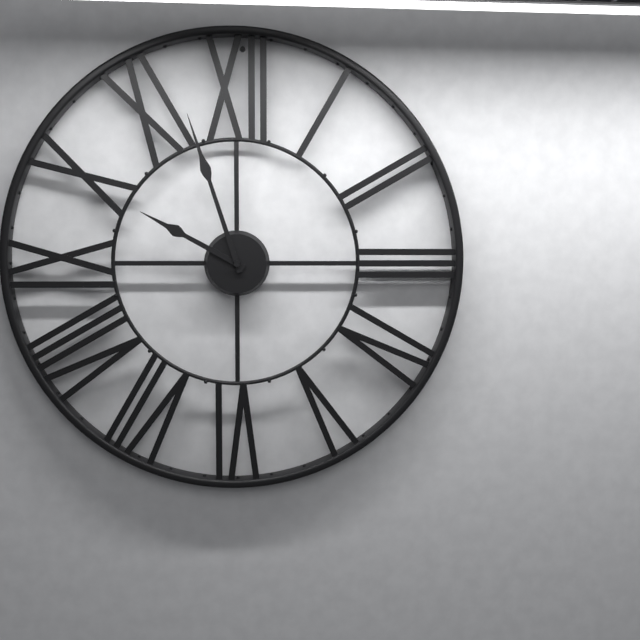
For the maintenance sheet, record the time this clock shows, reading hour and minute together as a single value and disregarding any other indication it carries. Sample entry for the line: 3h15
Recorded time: 9h57
